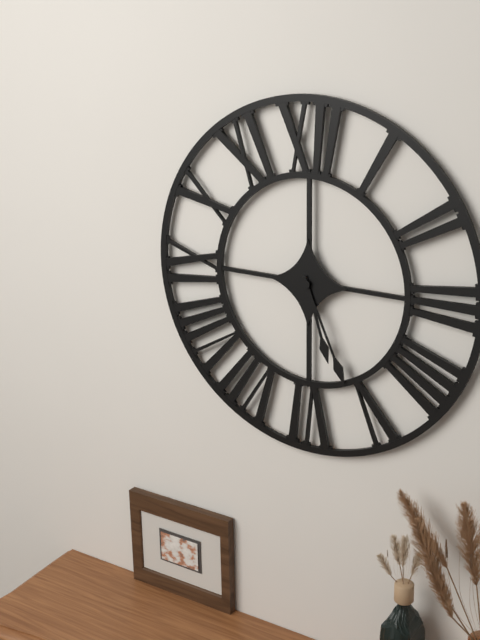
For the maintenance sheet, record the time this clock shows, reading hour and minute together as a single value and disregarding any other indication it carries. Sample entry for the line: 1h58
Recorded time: 5h26
